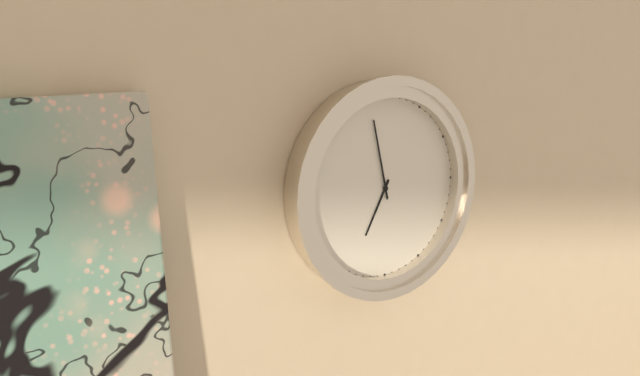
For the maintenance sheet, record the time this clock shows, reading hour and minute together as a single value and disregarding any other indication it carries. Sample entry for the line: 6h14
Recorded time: 6h58
